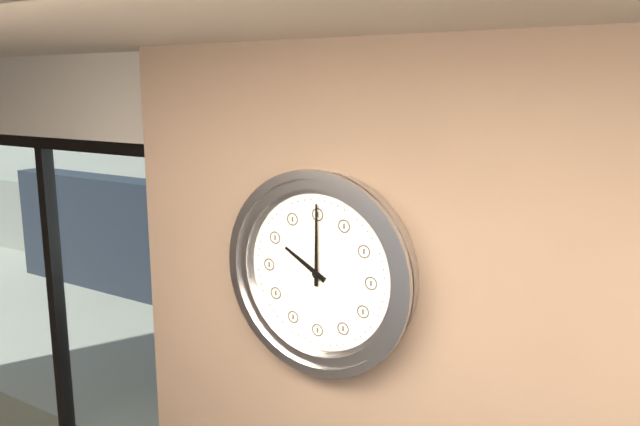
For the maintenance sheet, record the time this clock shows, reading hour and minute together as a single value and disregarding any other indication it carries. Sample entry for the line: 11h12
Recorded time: 10h00
